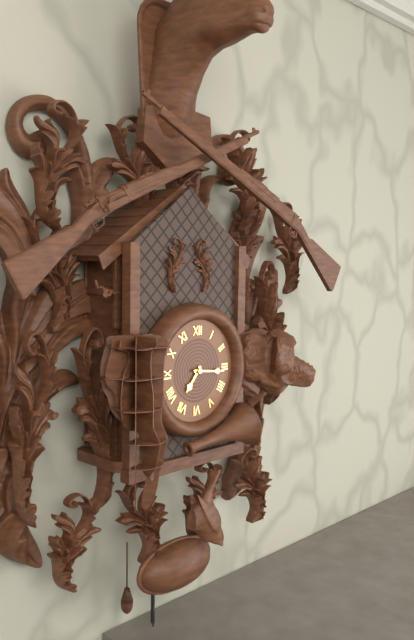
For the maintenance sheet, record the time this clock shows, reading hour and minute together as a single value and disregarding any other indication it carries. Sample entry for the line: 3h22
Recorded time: 7h16
